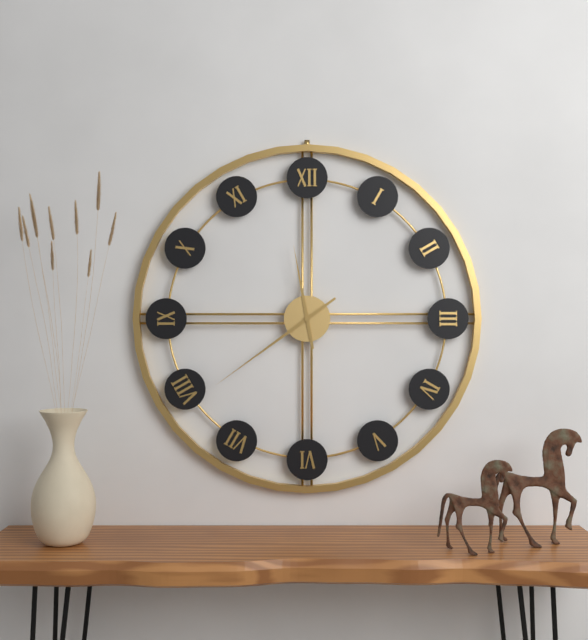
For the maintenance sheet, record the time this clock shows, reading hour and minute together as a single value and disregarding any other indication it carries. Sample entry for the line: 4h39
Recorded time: 11h39
